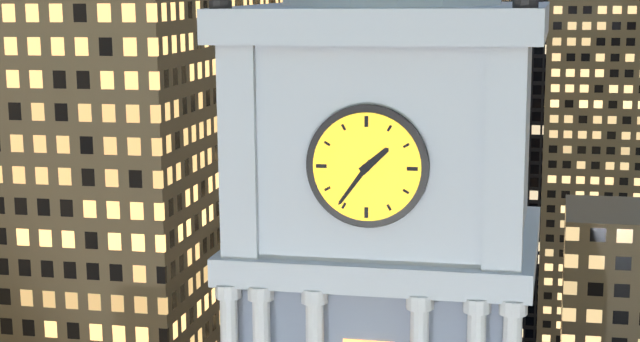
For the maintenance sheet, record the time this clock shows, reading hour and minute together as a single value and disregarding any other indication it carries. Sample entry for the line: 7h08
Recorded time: 1h36
